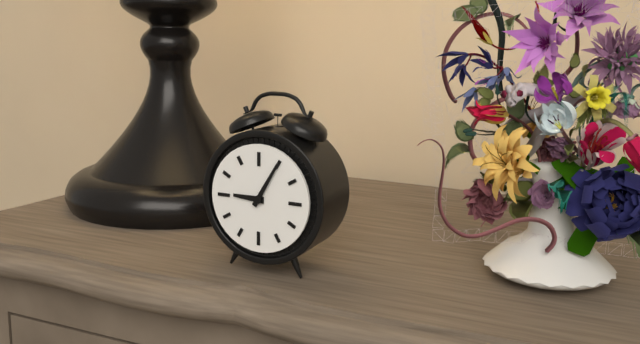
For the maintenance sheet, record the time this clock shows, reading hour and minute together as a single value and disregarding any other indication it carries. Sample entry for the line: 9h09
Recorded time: 9h05
